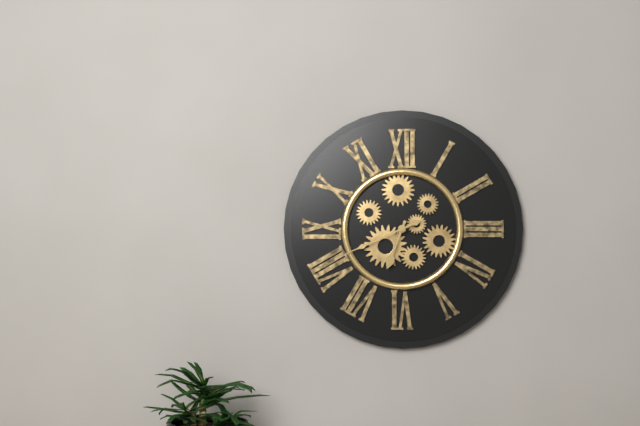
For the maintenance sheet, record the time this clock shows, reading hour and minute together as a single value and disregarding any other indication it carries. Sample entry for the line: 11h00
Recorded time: 6h41
